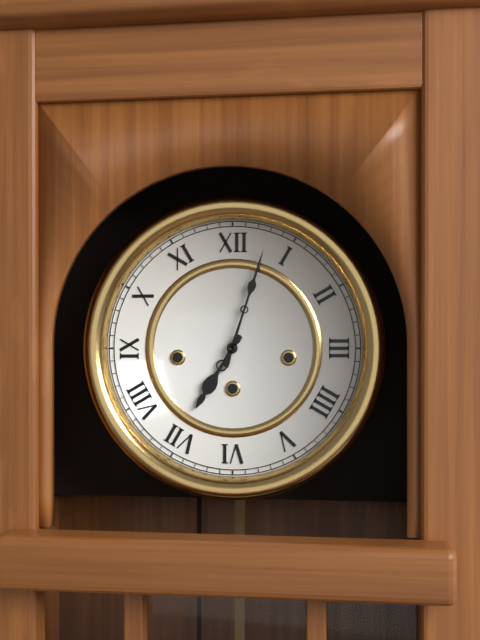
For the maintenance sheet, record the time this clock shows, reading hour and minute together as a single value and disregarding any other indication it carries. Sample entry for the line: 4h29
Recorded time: 7h03
